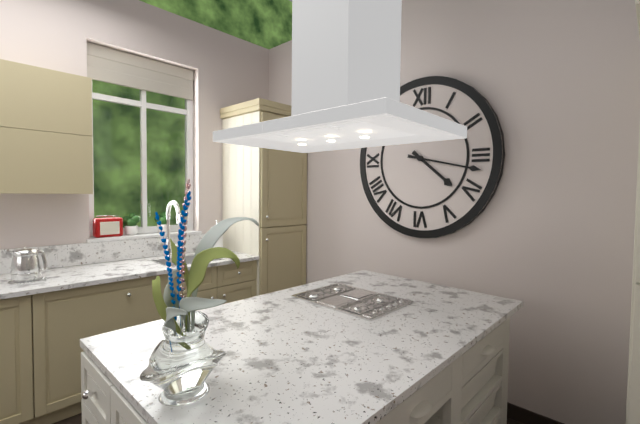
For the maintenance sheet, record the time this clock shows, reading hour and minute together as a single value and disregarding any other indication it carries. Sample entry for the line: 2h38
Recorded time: 4h17
